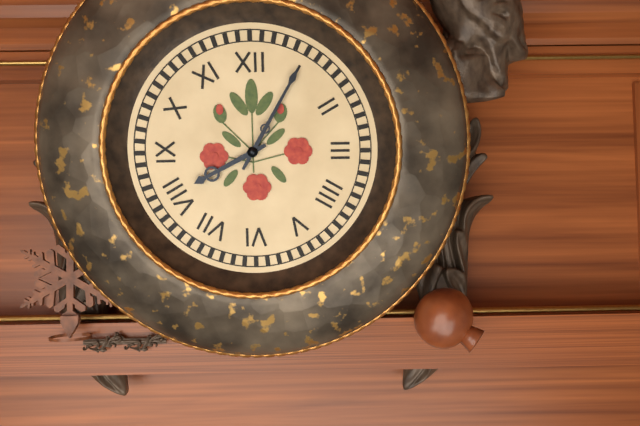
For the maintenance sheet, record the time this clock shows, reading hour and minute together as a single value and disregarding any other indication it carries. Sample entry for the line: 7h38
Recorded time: 8h05
